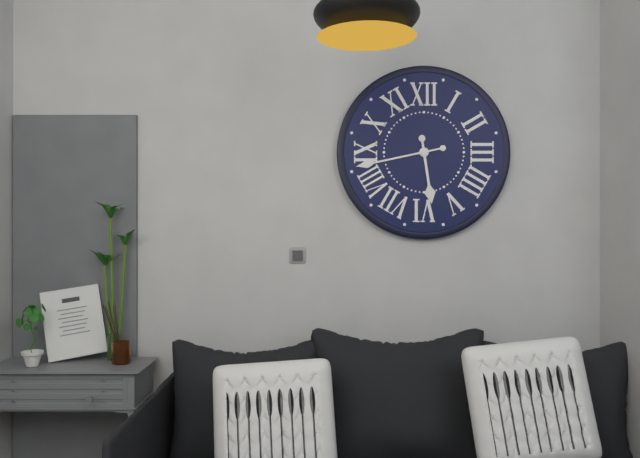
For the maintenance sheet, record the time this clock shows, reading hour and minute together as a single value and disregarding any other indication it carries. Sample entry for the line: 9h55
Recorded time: 5h43
